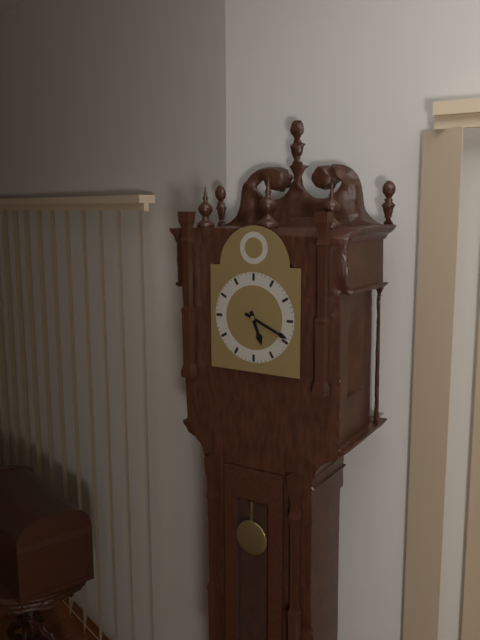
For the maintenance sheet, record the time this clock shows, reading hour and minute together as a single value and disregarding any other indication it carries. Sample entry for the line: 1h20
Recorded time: 5h19
